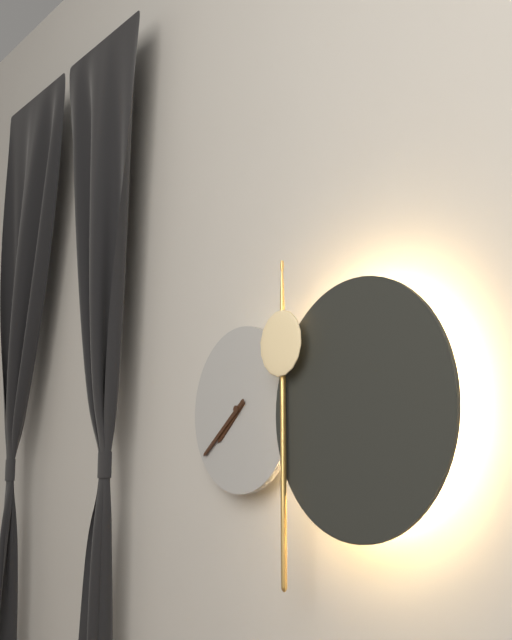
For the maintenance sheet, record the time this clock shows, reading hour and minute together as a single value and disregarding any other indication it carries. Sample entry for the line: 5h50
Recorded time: 7h39
